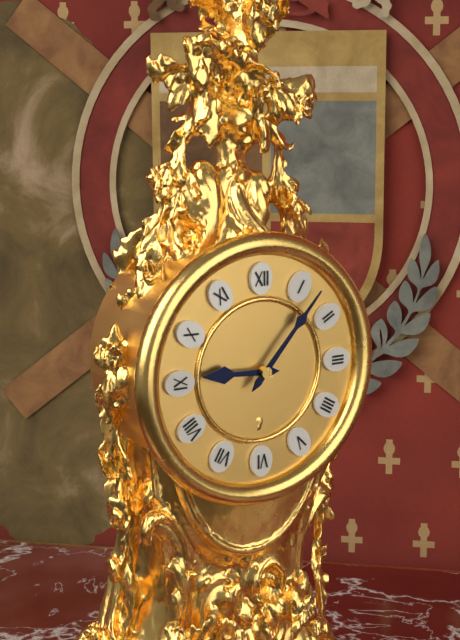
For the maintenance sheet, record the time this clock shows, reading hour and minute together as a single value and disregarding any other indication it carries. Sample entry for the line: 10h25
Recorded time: 9h07
